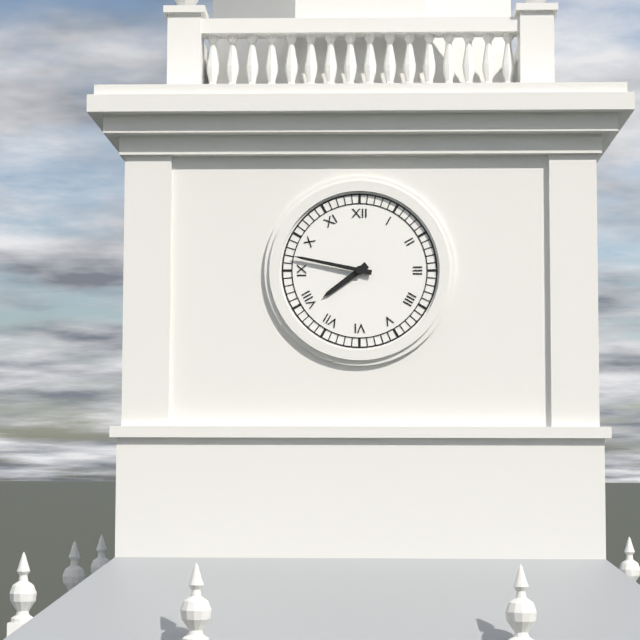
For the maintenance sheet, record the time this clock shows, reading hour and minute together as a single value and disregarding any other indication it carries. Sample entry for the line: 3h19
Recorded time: 7h47
